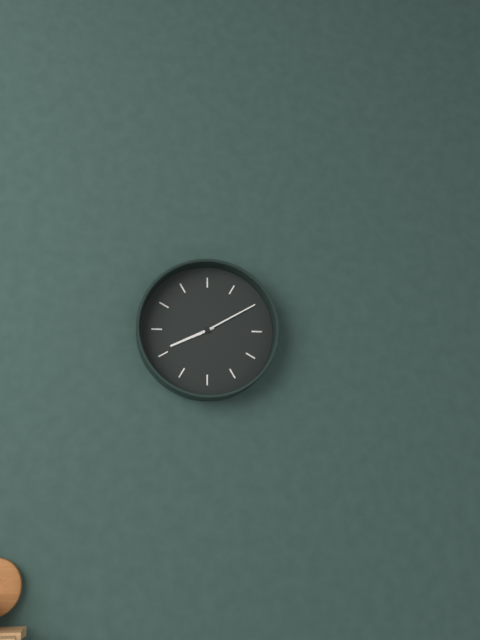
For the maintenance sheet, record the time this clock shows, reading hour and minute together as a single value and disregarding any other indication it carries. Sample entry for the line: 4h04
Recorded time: 8h10
